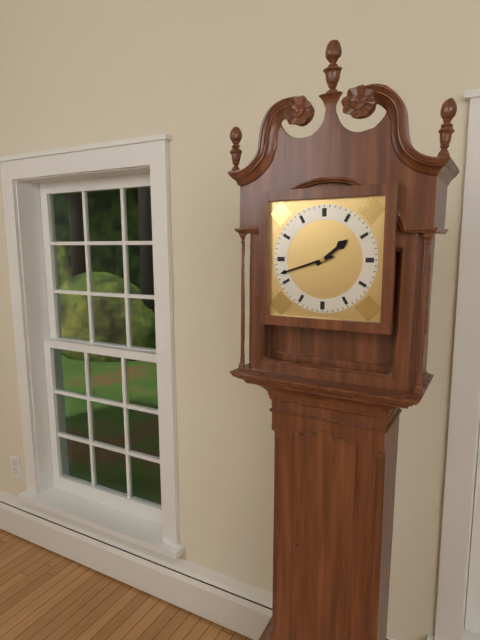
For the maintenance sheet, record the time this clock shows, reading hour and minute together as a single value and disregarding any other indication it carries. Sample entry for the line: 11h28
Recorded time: 1h42
